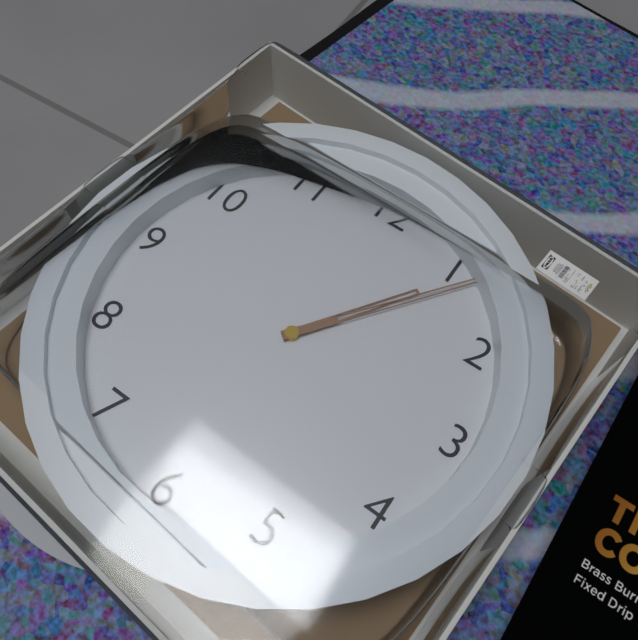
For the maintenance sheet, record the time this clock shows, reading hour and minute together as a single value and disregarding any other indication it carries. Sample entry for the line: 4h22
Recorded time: 1h06
